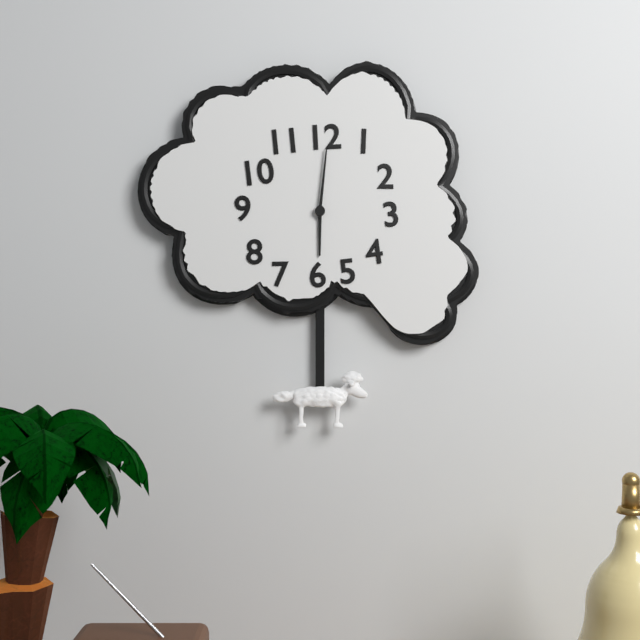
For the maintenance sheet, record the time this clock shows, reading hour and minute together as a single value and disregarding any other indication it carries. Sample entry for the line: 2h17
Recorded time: 6h01
